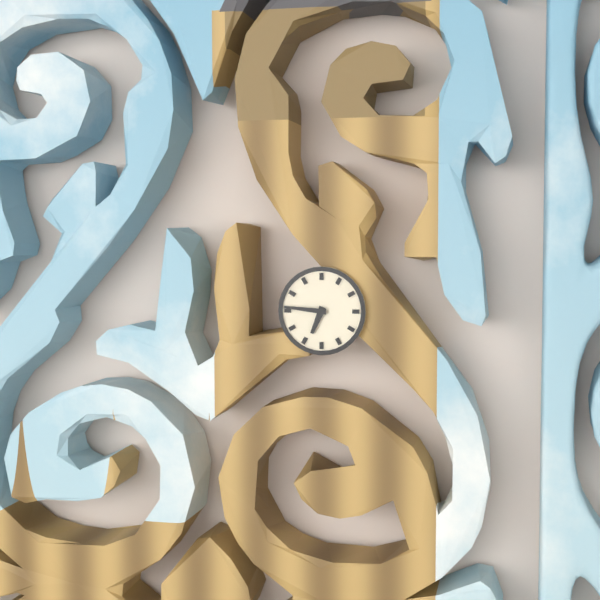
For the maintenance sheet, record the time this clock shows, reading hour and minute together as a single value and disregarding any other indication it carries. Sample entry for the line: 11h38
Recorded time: 6h46
